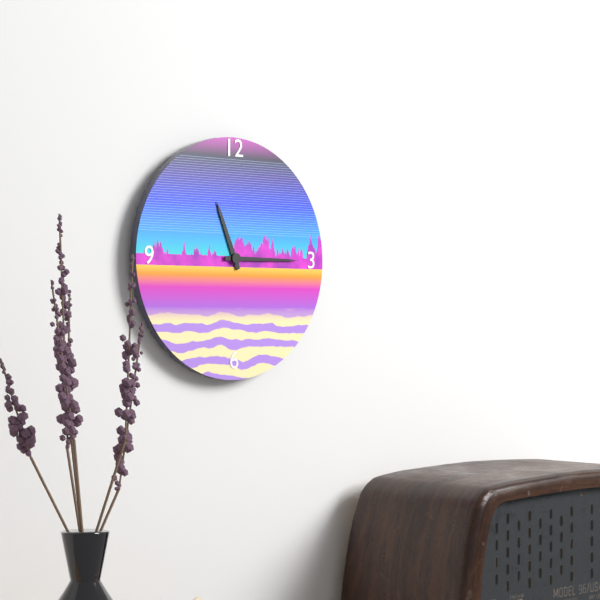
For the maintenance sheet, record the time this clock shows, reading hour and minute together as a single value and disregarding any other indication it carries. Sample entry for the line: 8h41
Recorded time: 11h15
